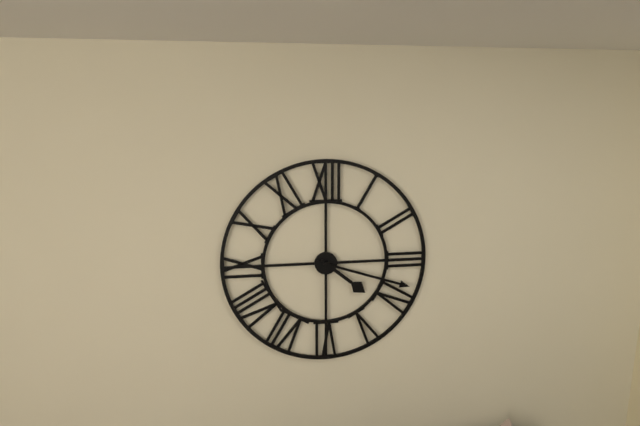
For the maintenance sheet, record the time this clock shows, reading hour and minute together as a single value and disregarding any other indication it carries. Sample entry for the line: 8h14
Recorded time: 4h18
